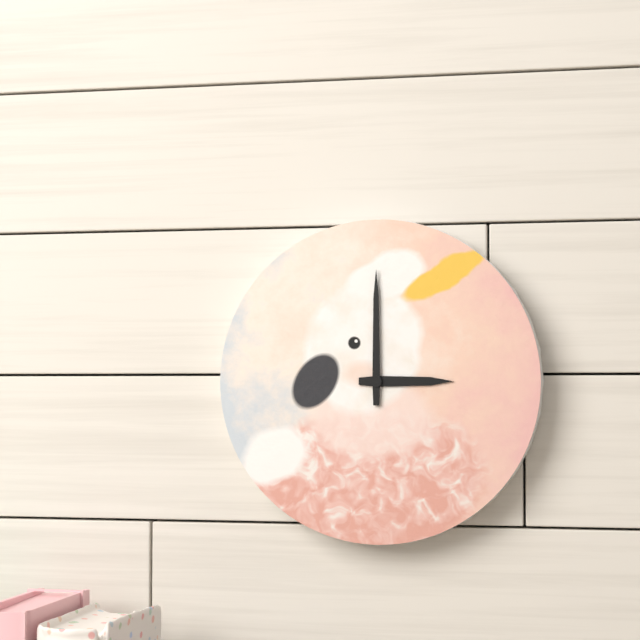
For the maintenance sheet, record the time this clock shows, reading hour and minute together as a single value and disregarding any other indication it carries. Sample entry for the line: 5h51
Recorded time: 3h00
